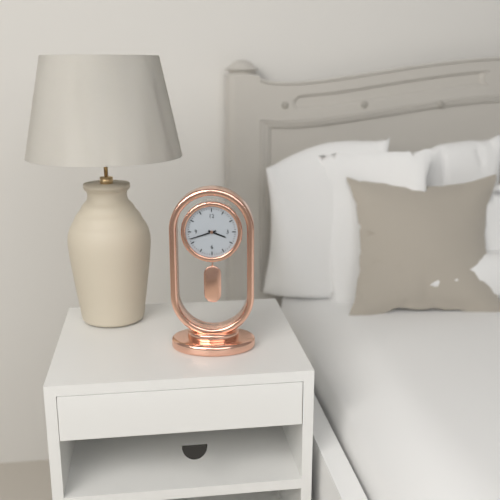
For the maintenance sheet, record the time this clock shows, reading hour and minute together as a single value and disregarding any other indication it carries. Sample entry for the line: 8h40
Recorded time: 3h42
